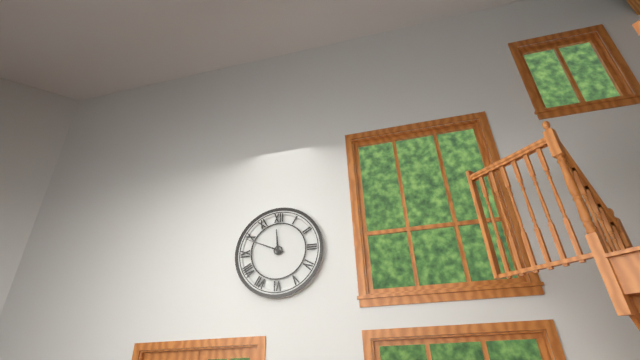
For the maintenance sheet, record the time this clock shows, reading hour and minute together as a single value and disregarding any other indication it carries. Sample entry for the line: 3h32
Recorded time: 11h49
